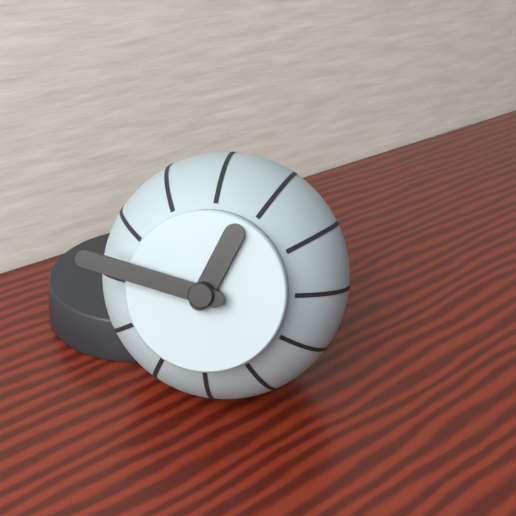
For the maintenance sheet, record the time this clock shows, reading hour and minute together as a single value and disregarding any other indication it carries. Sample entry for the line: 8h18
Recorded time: 12h47
